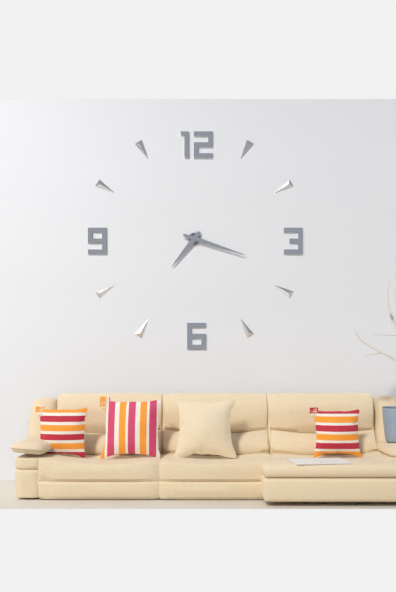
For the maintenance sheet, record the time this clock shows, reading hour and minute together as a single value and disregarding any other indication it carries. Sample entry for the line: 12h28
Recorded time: 7h18
